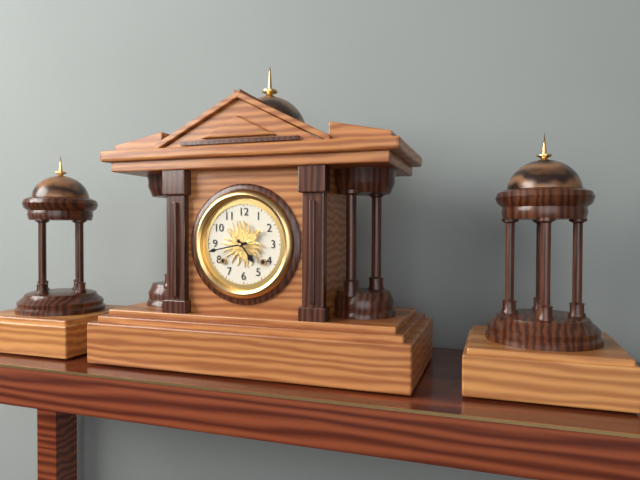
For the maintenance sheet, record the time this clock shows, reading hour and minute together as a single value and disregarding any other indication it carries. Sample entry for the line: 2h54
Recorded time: 4h43
